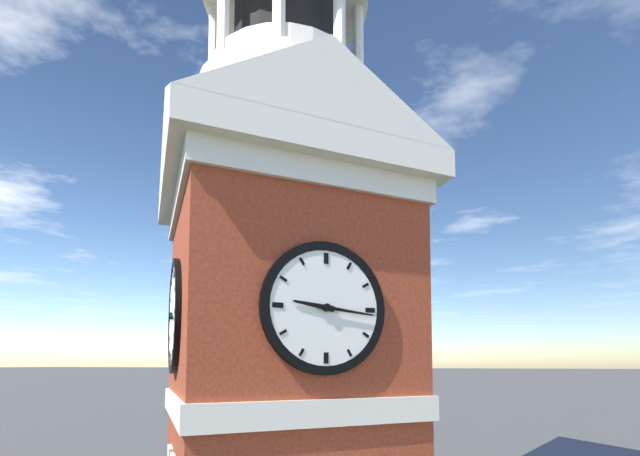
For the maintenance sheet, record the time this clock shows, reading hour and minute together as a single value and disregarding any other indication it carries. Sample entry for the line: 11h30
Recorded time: 9h16
